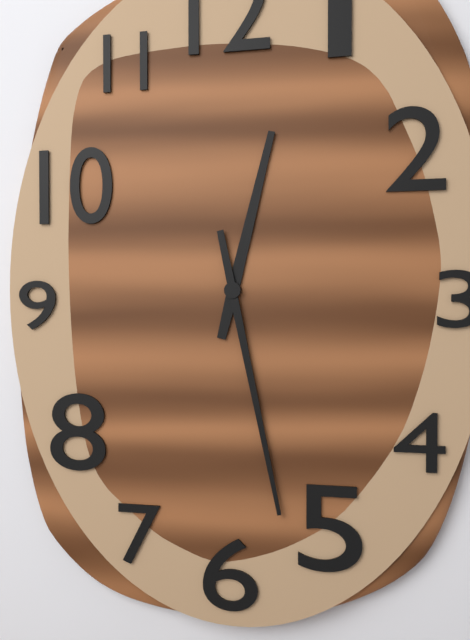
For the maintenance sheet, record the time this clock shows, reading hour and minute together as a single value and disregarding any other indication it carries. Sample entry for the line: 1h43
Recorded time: 12h28
